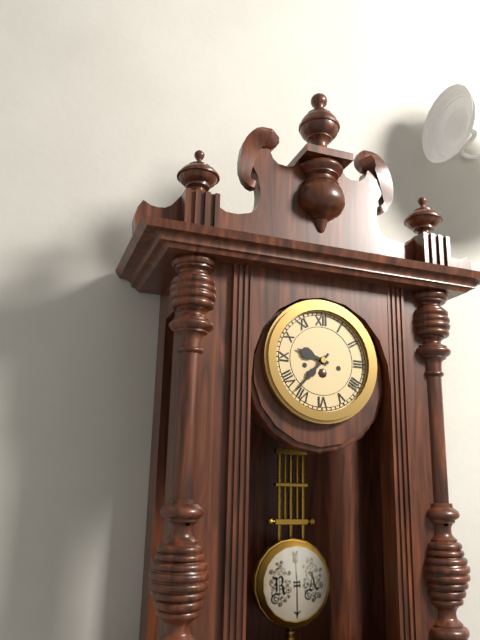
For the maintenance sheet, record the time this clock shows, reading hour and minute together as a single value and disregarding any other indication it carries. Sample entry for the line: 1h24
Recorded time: 9h37
